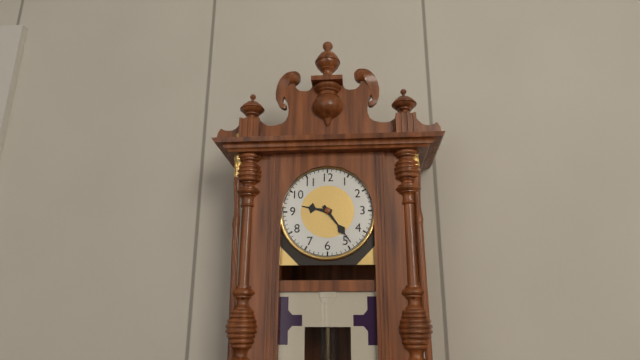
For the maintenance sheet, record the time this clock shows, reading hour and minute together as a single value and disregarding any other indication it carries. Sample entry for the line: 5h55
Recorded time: 9h24
